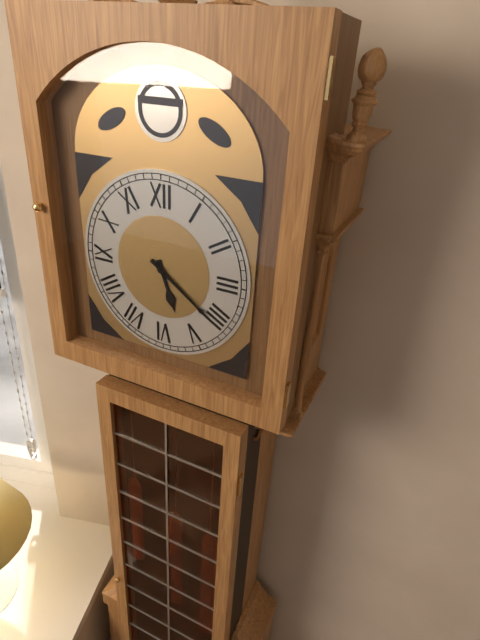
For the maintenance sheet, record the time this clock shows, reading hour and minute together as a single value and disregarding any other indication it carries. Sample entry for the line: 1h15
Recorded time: 5h21
